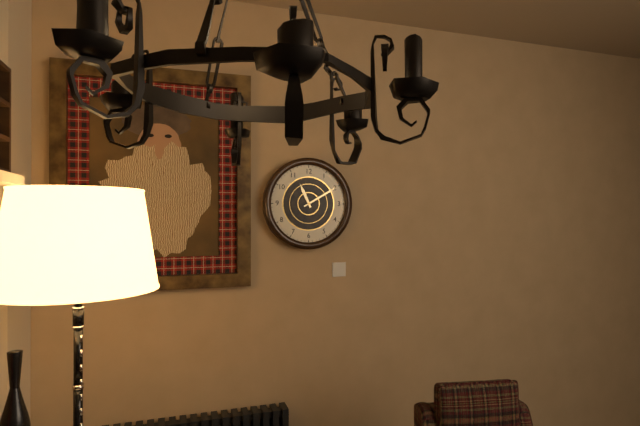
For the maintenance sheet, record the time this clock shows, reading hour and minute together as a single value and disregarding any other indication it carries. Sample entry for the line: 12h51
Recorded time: 11h10
